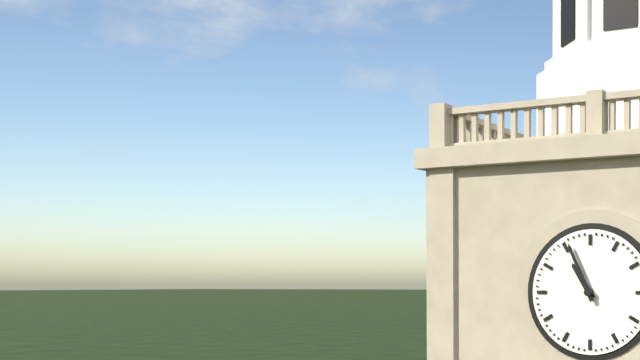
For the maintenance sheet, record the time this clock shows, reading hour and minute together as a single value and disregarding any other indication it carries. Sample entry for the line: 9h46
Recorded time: 10h56
